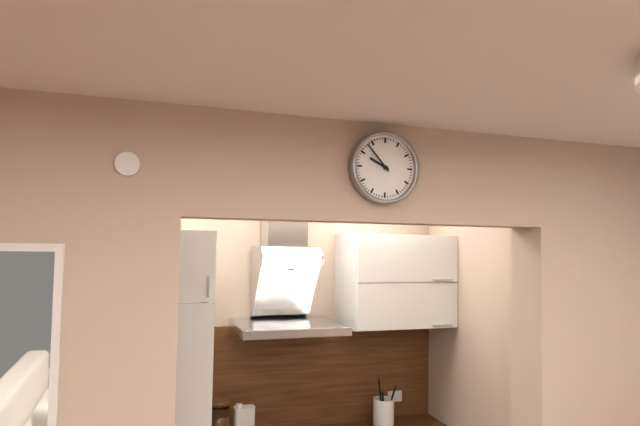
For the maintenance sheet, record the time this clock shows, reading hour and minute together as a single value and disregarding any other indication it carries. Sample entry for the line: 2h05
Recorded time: 9h53
